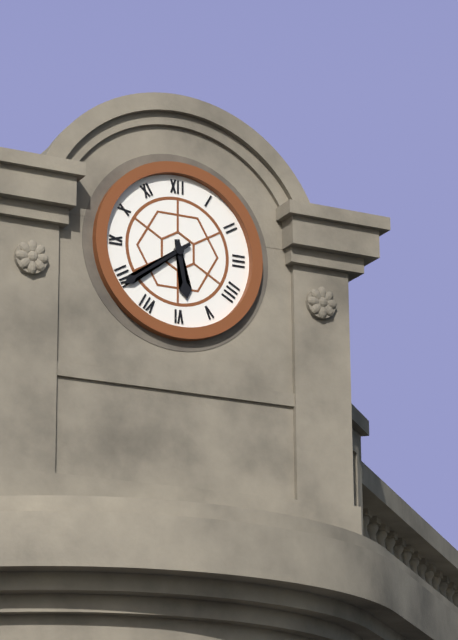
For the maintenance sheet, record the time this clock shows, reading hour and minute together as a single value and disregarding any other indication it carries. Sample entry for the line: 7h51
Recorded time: 5h39
